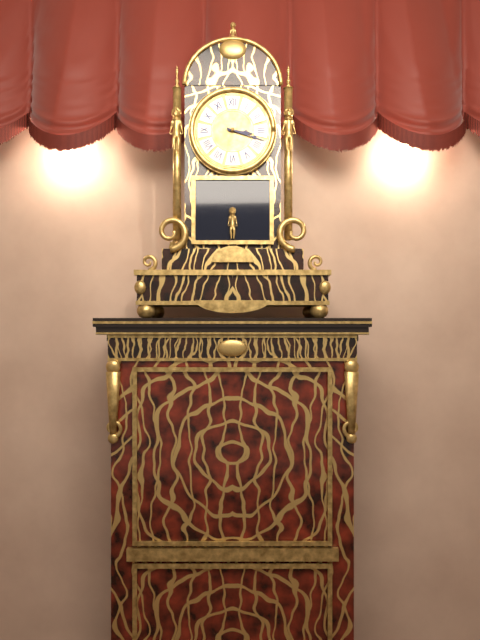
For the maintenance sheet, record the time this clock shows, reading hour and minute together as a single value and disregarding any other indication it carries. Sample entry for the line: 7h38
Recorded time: 3h18
